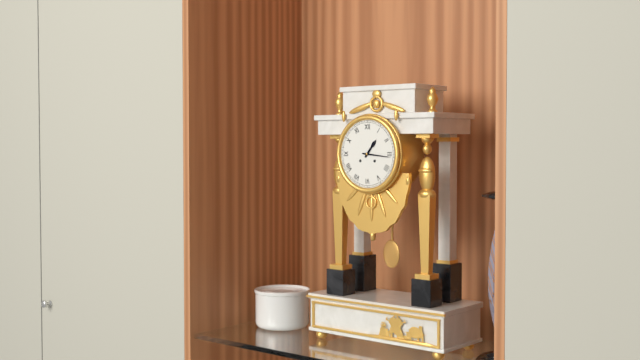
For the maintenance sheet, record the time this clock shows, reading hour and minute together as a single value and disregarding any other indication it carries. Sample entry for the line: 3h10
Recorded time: 1h16
